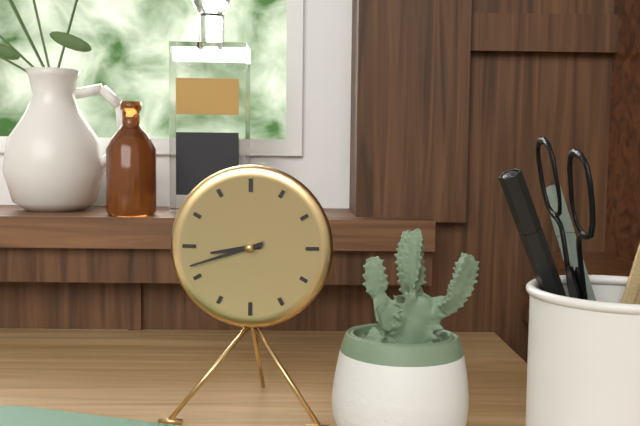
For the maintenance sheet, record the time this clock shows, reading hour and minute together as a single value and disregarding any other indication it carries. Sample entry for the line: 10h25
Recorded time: 8h42
